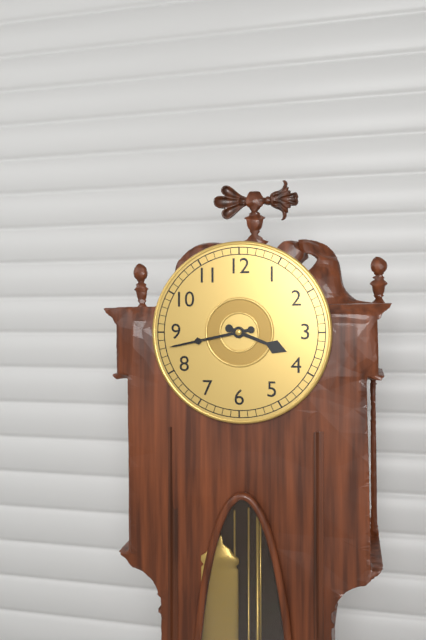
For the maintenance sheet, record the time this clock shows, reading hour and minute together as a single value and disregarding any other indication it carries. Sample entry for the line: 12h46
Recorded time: 3h43
